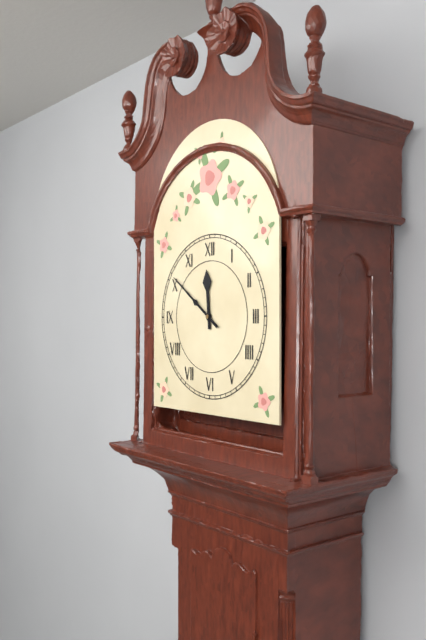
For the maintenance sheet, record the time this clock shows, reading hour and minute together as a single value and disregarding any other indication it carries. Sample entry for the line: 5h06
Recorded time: 11h51
